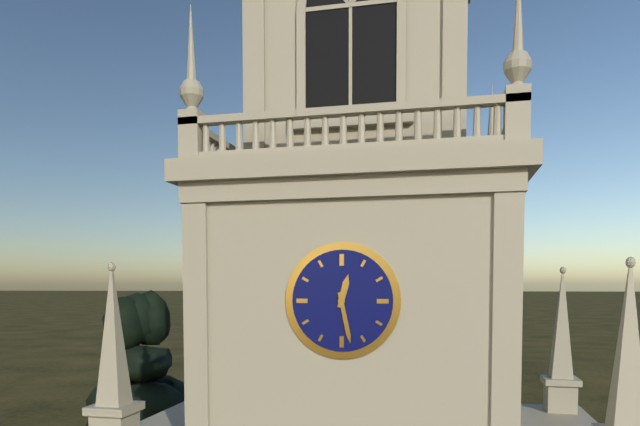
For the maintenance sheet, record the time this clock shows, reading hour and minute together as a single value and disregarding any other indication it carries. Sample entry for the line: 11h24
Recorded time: 12h28
